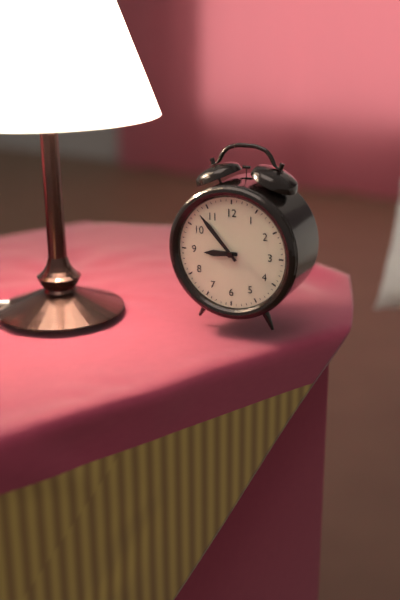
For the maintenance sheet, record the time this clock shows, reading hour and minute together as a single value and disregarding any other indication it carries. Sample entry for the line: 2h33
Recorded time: 8h53
